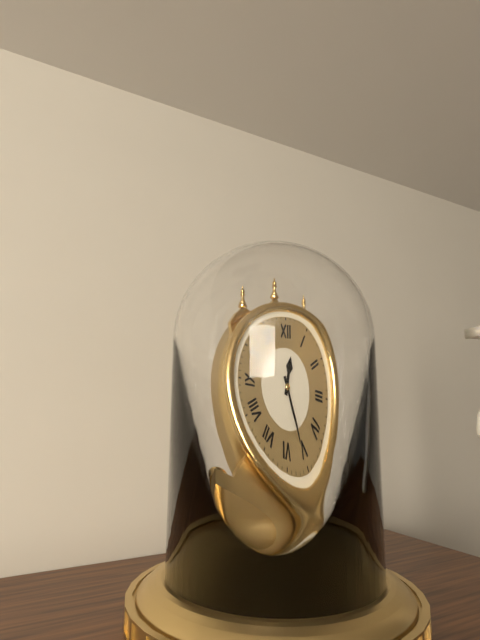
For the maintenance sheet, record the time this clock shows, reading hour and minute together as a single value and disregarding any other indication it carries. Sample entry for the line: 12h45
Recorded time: 12h26
